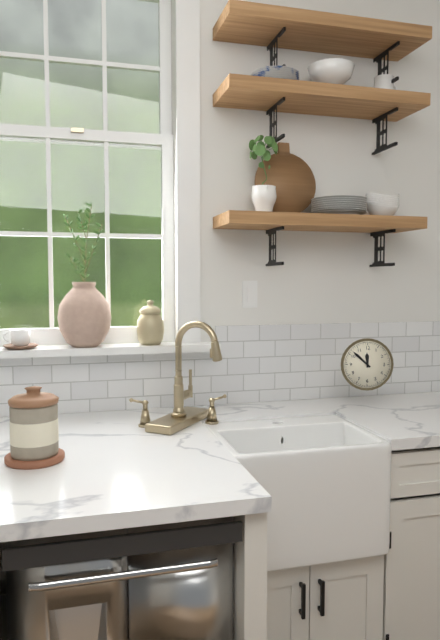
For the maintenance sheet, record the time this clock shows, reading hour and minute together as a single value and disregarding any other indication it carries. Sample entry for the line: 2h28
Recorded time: 11h52
